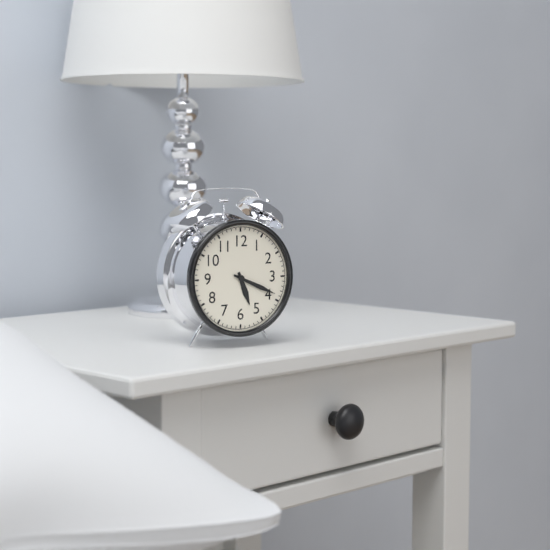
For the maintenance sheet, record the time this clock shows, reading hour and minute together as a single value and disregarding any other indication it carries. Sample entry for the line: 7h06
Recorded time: 5h19
